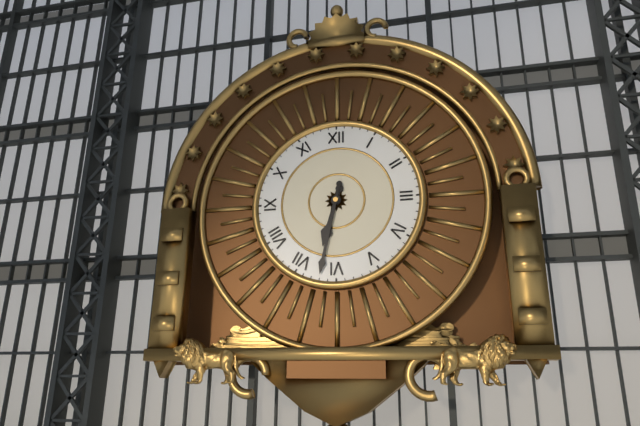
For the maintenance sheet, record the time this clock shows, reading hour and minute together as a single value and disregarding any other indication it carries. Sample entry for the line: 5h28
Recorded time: 6h32
